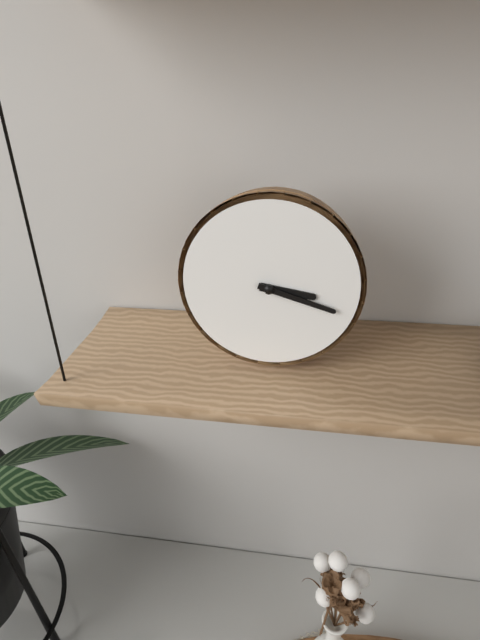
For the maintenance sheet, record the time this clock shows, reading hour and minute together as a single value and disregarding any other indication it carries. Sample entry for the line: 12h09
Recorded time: 3h18
